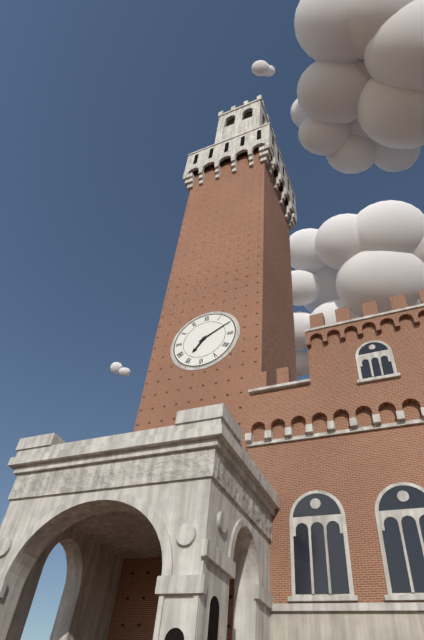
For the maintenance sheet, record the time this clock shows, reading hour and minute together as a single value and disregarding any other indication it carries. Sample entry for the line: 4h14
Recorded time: 7h10
